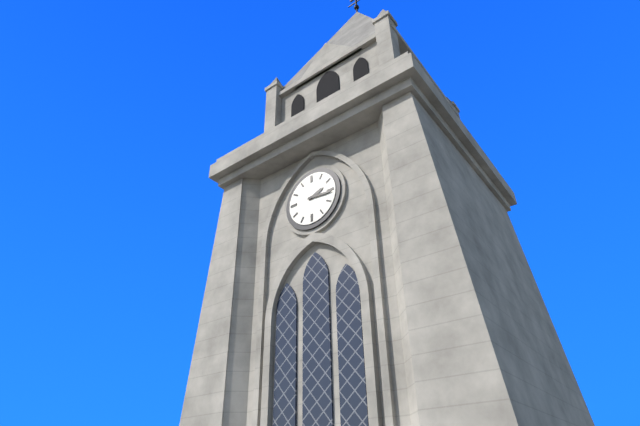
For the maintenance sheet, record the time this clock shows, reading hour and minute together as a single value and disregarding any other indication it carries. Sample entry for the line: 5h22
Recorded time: 2h16
